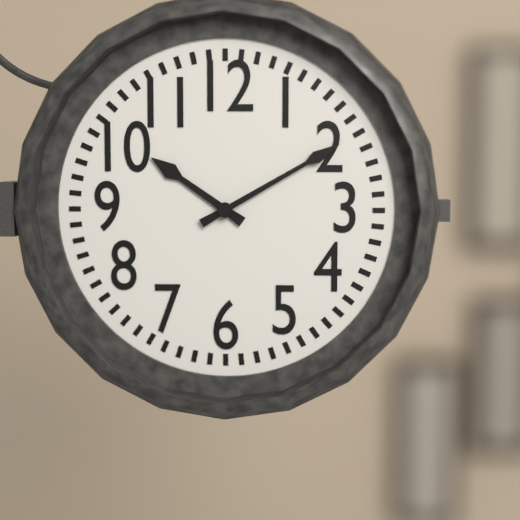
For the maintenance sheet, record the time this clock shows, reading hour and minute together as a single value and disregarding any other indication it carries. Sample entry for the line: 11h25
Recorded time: 10h10
